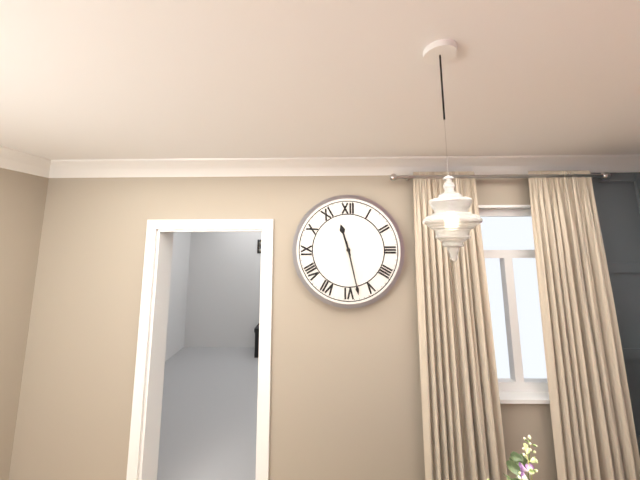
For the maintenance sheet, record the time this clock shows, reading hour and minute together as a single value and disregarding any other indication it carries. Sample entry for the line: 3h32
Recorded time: 11h28
